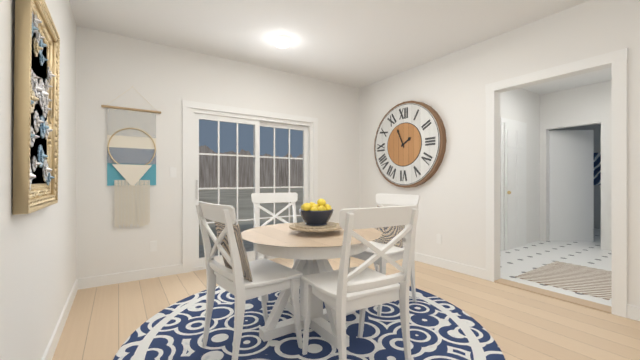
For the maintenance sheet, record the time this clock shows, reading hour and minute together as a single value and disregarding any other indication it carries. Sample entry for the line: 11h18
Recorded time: 1h56
